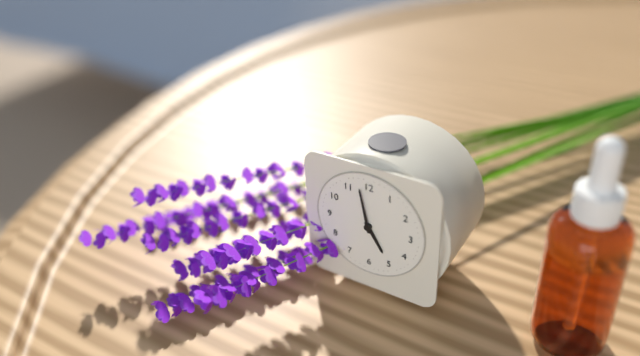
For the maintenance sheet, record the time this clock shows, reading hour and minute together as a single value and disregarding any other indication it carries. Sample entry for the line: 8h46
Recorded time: 4h58
